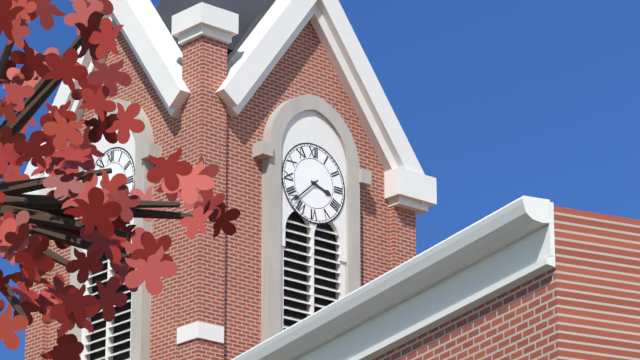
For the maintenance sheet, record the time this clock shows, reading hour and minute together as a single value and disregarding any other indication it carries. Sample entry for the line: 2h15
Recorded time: 3h38
